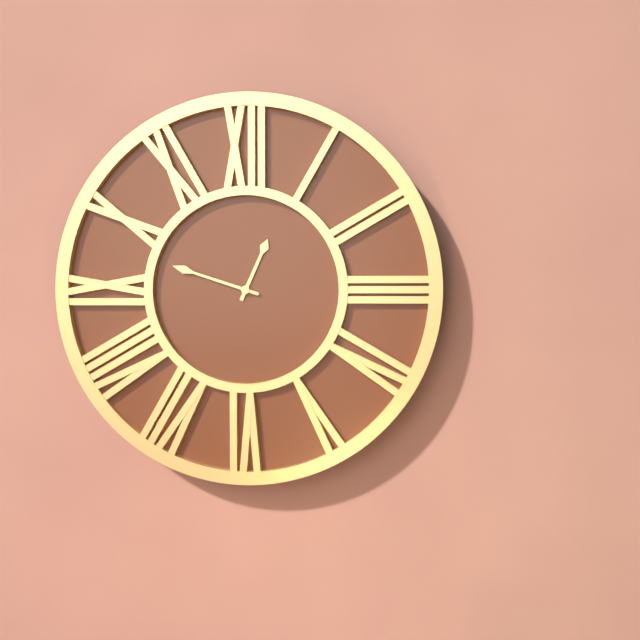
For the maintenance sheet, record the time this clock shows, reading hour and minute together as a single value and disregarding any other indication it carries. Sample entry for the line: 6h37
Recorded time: 12h48
